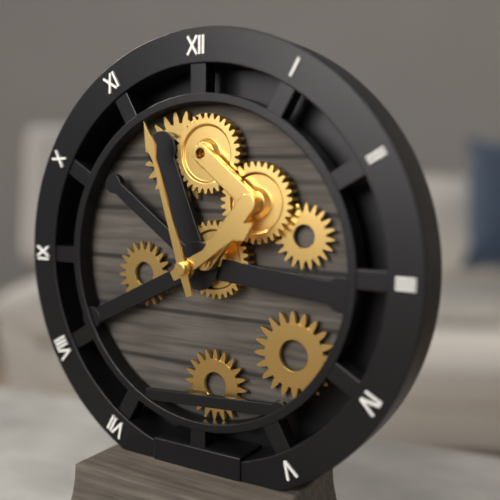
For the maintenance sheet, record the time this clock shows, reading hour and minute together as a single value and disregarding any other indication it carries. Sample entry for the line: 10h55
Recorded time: 1h57
